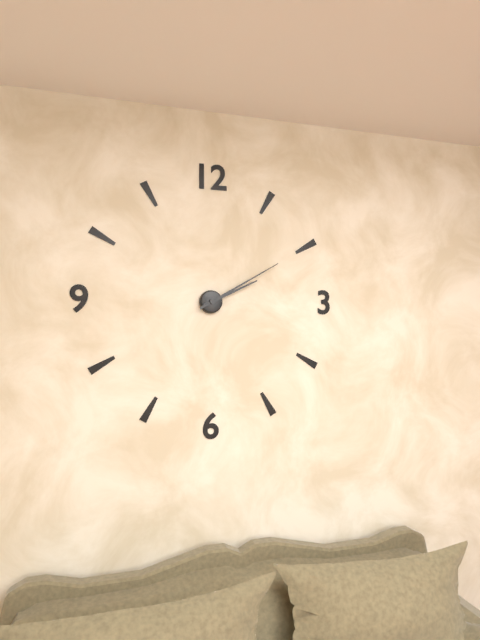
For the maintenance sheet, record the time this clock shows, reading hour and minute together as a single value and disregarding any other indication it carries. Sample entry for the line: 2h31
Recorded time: 2h10
